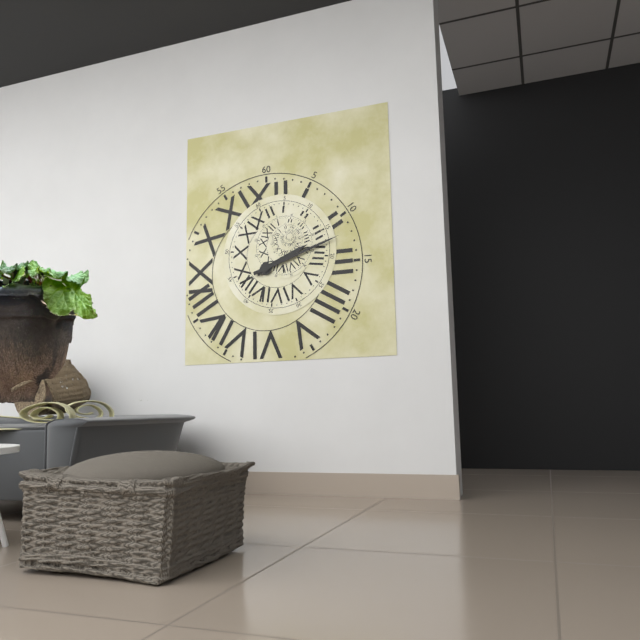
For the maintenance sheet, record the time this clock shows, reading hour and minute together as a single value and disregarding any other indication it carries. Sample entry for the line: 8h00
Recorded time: 2h12
